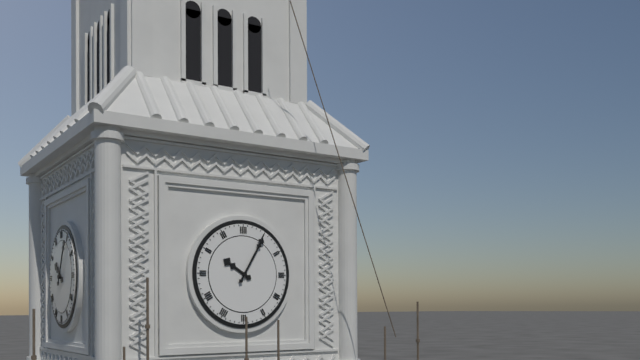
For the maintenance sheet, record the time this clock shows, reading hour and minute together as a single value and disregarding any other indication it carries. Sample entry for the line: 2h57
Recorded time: 10h05
